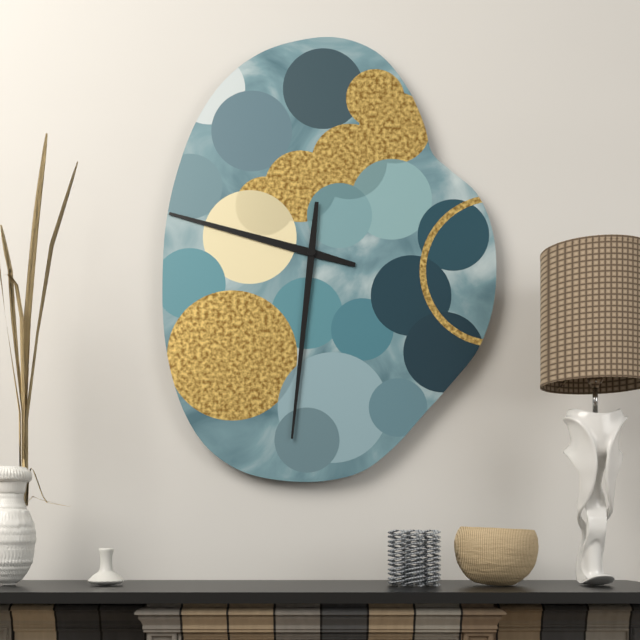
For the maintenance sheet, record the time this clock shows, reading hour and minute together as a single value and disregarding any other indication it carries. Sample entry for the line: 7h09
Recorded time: 9h31
